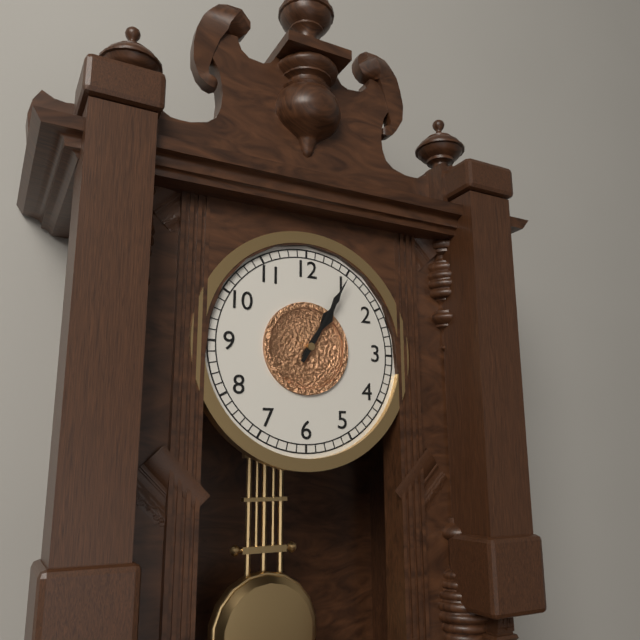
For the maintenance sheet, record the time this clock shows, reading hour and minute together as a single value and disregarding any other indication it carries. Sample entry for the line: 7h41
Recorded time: 1h05
